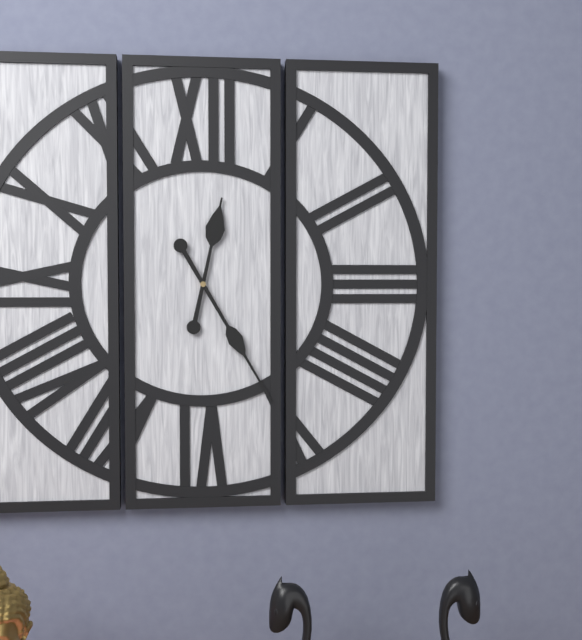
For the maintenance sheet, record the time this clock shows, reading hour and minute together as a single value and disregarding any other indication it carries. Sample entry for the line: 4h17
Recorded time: 12h25
